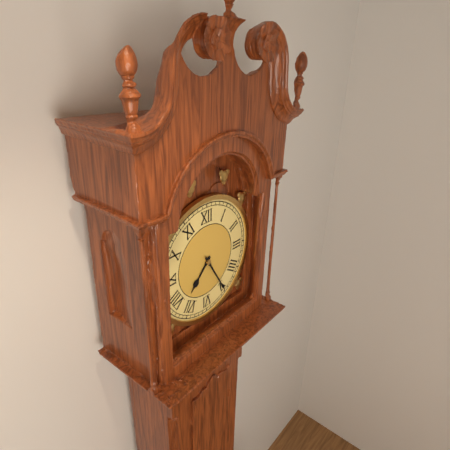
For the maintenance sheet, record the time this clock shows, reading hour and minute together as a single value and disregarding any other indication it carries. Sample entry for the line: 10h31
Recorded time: 7h25
